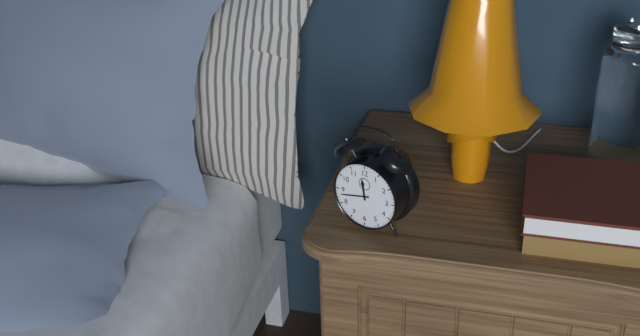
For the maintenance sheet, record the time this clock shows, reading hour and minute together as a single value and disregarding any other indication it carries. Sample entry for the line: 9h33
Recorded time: 11h43
